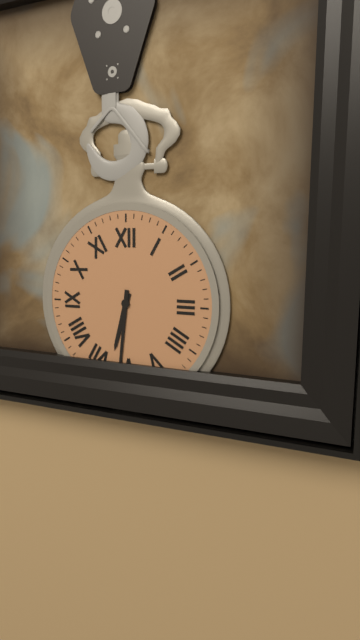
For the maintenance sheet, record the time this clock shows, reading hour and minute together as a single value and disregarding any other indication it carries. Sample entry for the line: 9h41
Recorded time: 6h31
